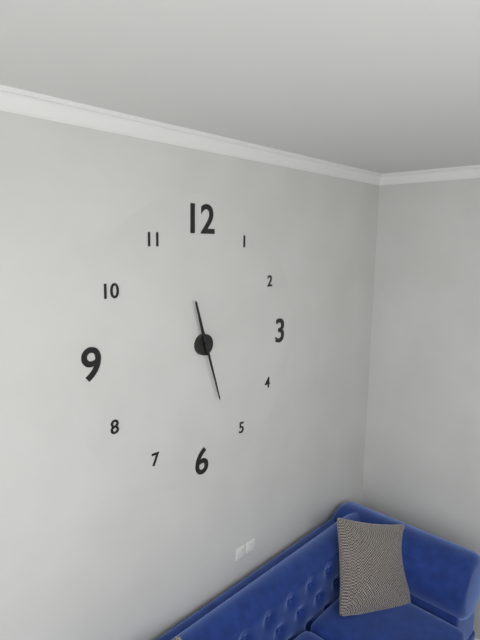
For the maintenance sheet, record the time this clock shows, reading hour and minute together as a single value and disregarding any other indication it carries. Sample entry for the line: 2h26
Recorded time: 11h27
